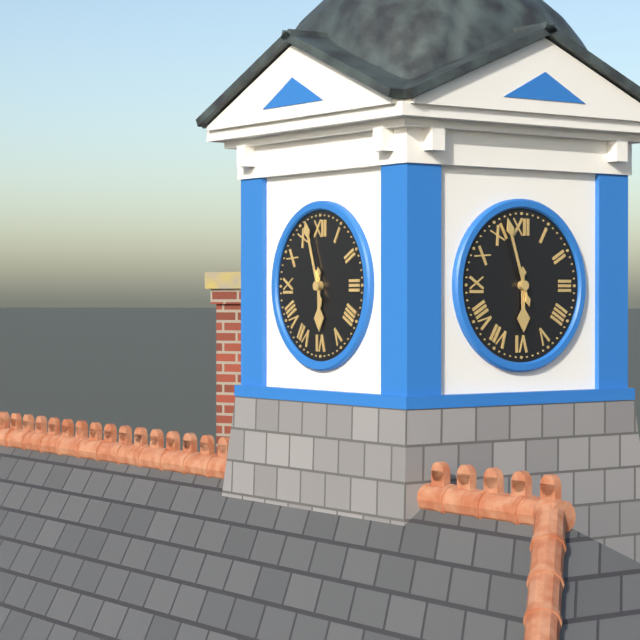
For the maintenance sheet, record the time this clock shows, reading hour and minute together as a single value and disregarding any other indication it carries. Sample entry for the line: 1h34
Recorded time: 5h57
